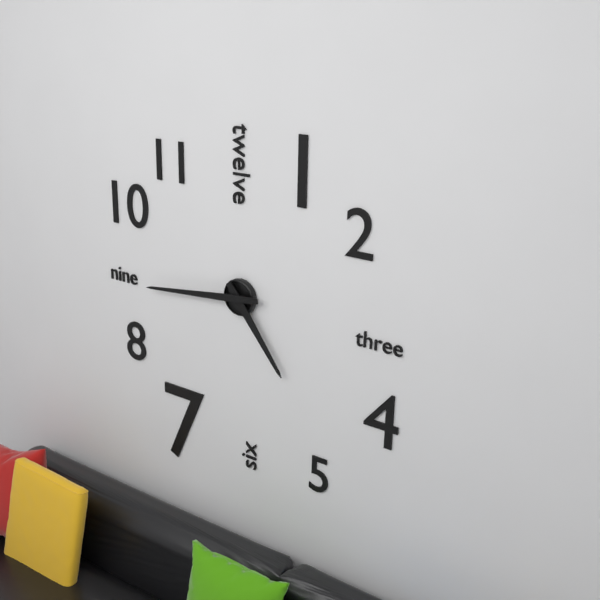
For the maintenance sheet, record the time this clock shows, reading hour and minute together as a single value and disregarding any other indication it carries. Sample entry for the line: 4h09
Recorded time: 4h44
